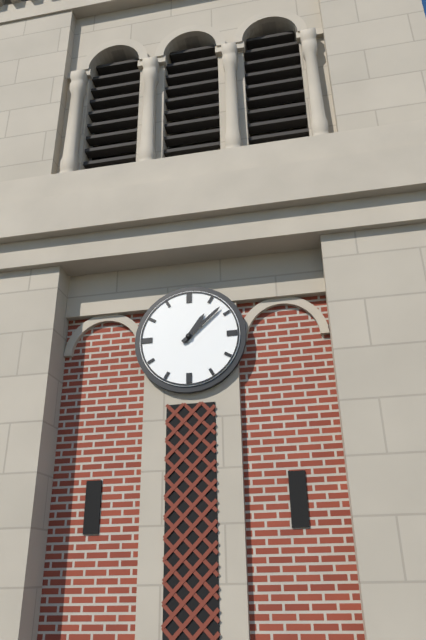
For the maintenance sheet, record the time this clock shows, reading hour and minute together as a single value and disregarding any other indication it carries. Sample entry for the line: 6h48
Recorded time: 1h08
